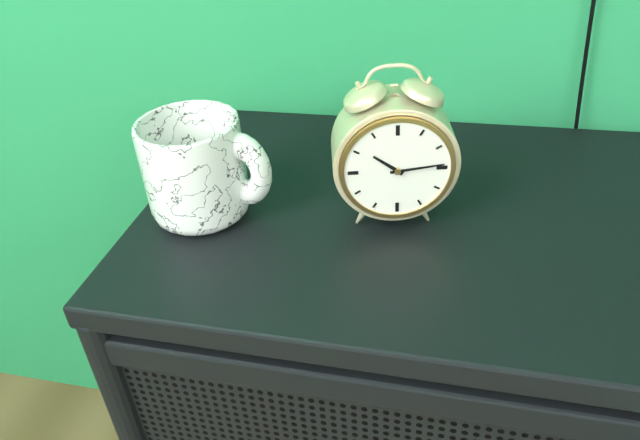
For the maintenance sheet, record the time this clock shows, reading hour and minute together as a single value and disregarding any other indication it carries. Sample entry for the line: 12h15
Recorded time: 10h14
